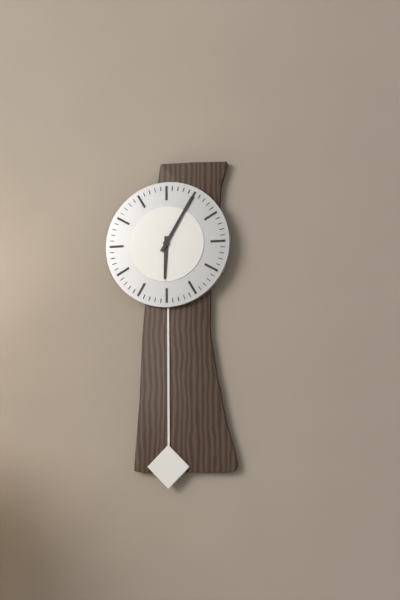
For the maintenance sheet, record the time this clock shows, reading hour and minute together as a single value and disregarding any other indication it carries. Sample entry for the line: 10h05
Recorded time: 6h05
